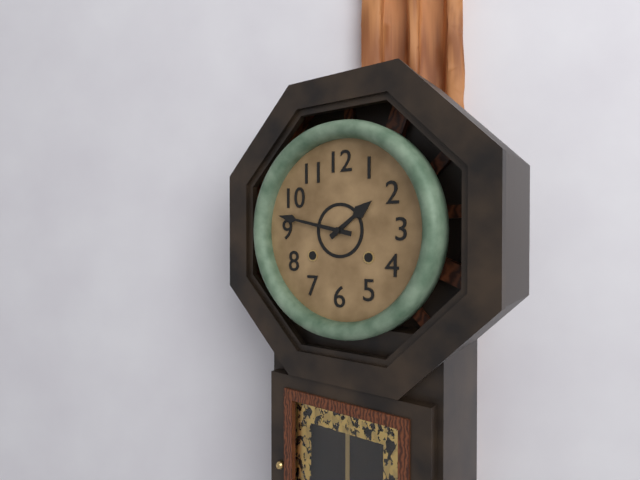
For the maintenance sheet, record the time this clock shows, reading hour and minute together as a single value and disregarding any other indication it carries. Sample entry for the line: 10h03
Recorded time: 1h47
